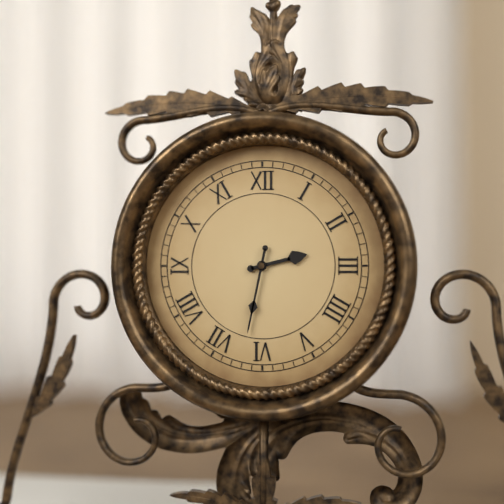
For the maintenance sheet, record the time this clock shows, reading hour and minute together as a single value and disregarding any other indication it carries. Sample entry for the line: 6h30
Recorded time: 2h32
